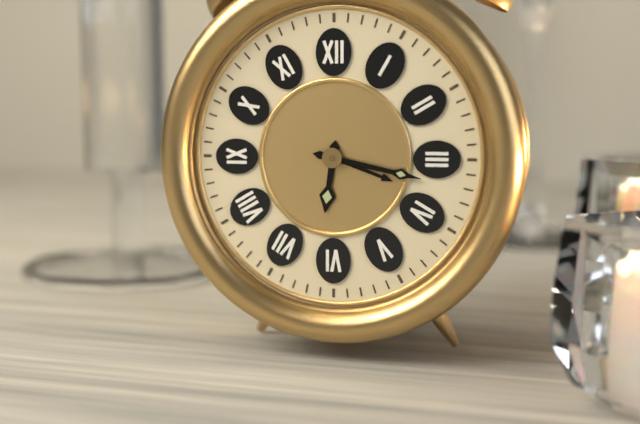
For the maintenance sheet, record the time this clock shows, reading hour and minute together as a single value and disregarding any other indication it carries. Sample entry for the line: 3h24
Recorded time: 6h17
